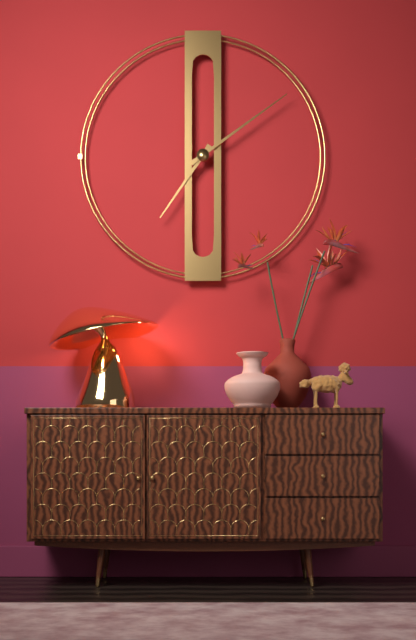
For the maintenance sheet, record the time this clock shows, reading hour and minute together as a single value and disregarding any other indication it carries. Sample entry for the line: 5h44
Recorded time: 7h09
